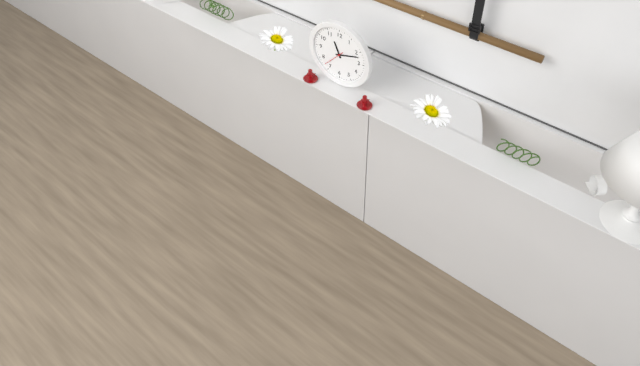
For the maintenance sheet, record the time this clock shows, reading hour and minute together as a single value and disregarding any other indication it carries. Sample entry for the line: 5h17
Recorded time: 11h12
